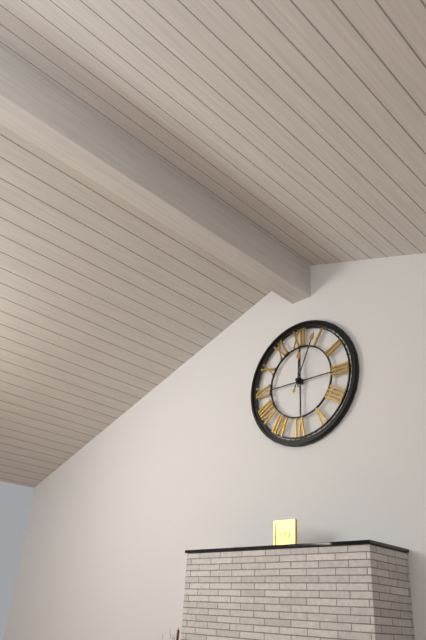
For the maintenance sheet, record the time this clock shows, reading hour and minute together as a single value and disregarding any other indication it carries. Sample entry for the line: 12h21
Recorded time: 12h04
